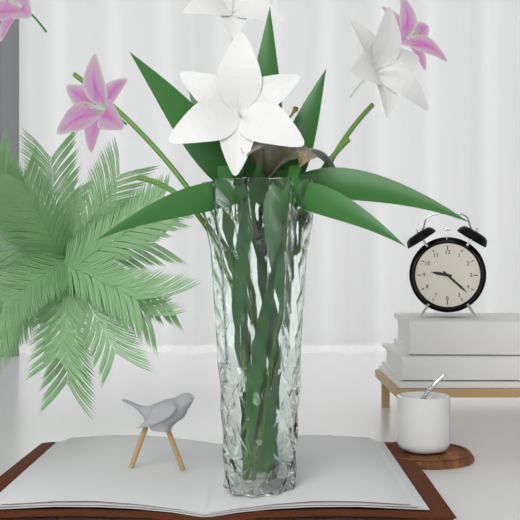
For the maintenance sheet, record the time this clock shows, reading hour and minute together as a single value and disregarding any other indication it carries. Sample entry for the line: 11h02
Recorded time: 9h22
